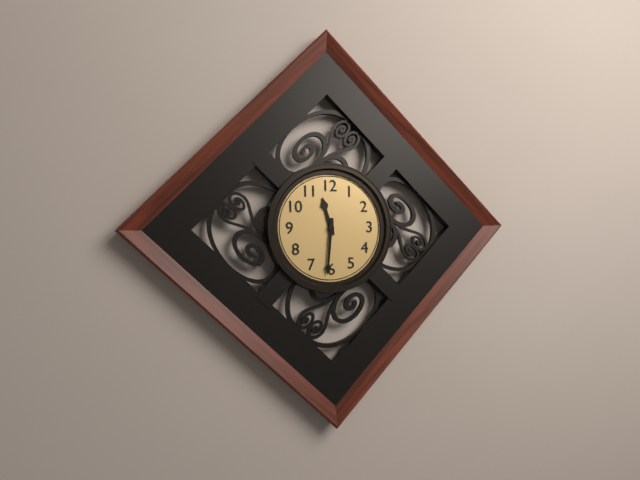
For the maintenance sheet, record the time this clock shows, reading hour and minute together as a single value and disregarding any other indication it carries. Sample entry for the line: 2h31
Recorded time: 11h31
